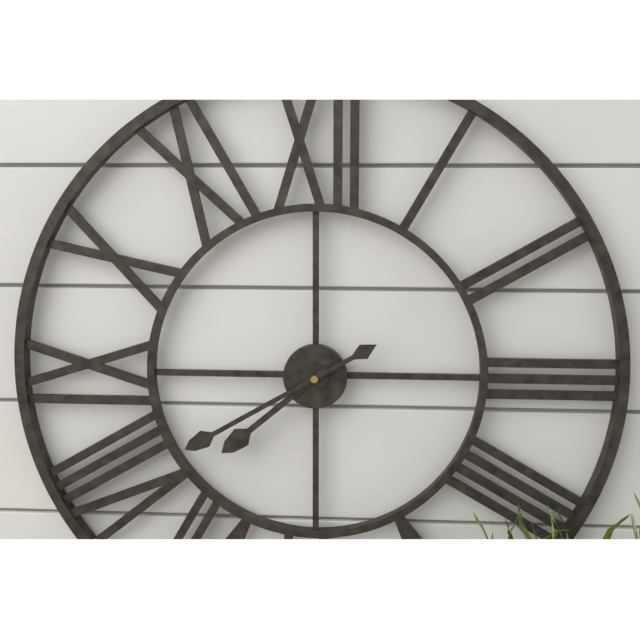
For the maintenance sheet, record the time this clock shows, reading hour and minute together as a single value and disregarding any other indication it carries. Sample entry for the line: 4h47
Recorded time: 7h40
